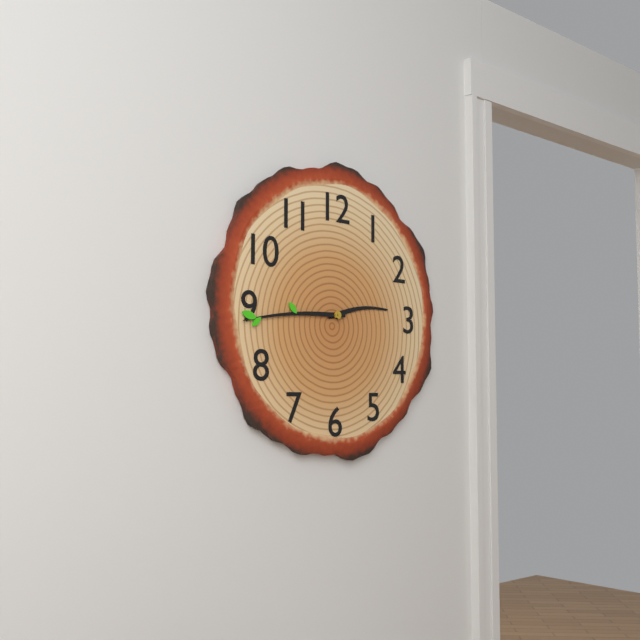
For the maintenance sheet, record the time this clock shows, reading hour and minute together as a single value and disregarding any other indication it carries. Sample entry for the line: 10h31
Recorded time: 2h44
